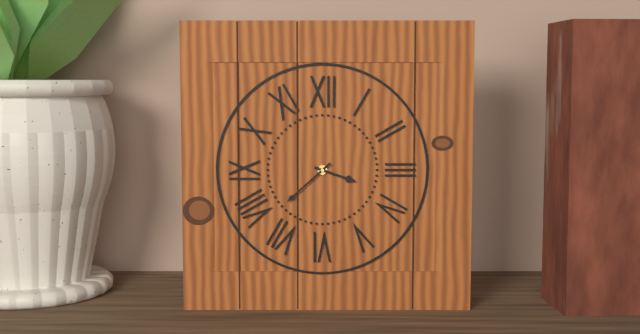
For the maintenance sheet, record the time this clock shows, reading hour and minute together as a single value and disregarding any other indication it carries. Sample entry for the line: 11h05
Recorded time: 3h38
